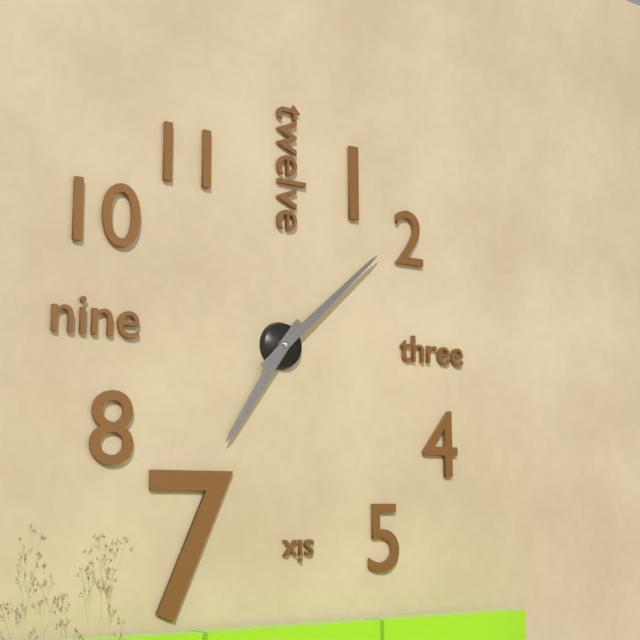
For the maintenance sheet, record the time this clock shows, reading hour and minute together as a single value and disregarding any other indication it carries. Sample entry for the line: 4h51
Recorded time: 7h08
